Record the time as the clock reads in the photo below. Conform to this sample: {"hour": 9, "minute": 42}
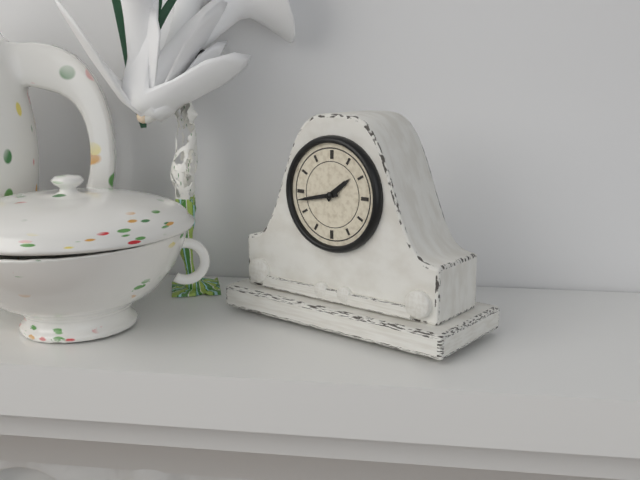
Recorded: {"hour": 1, "minute": 43}
